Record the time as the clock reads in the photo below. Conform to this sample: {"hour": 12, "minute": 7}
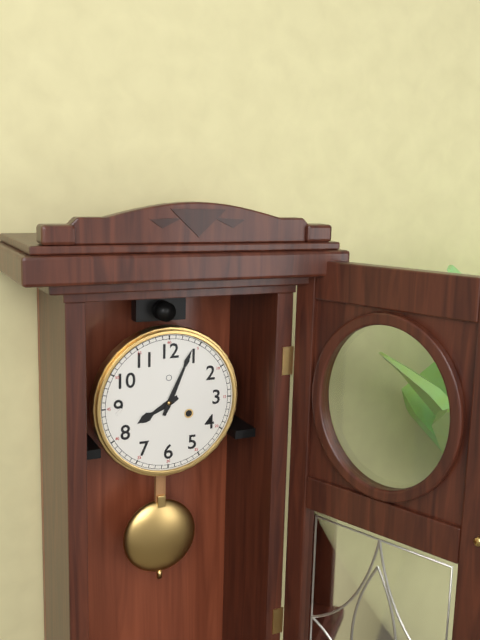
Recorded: {"hour": 8, "minute": 4}
